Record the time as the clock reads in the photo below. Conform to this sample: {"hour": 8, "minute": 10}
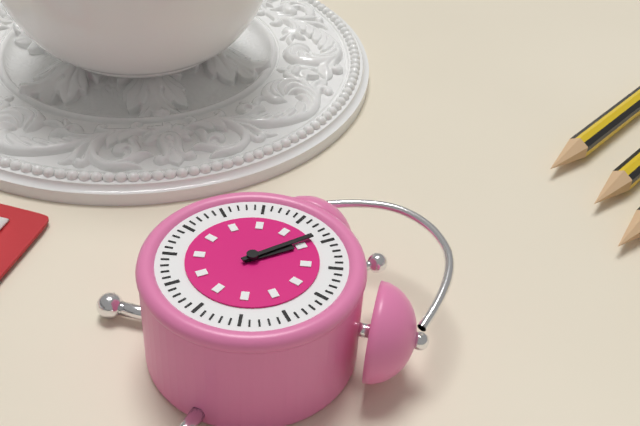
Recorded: {"hour": 11, "minute": 59}
